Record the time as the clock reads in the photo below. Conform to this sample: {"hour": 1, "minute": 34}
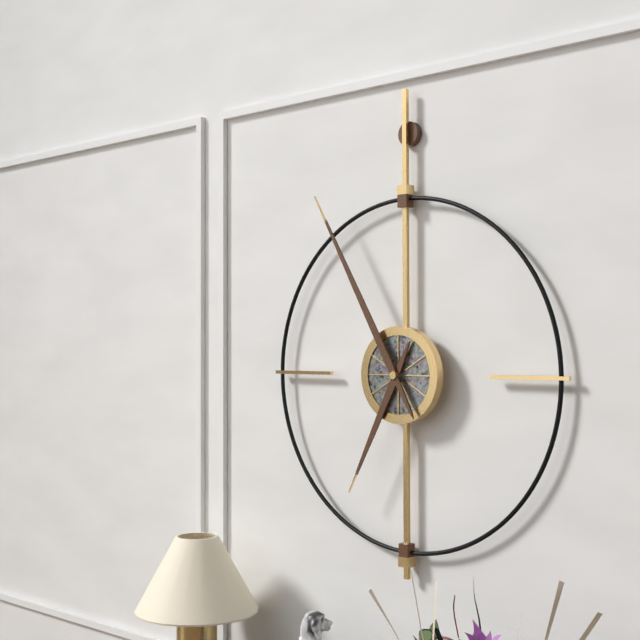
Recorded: {"hour": 6, "minute": 55}
